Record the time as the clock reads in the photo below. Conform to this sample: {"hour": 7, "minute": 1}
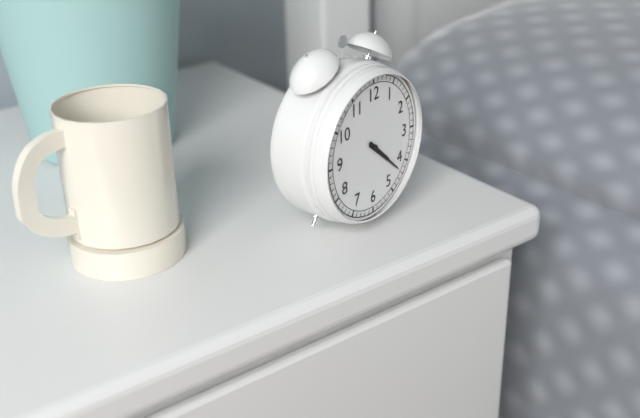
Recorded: {"hour": 4, "minute": 22}
